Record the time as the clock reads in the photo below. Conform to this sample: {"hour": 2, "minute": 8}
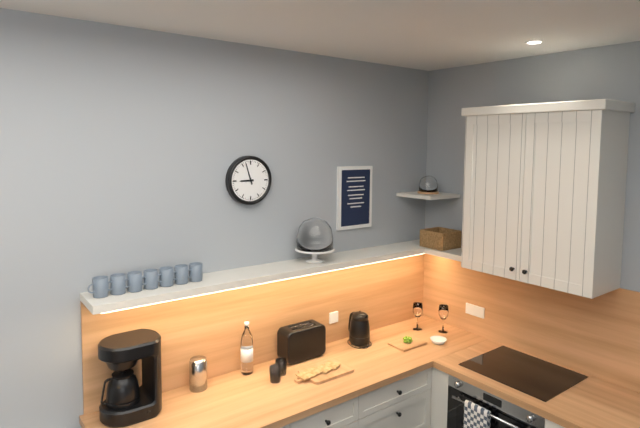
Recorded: {"hour": 8, "minute": 57}
